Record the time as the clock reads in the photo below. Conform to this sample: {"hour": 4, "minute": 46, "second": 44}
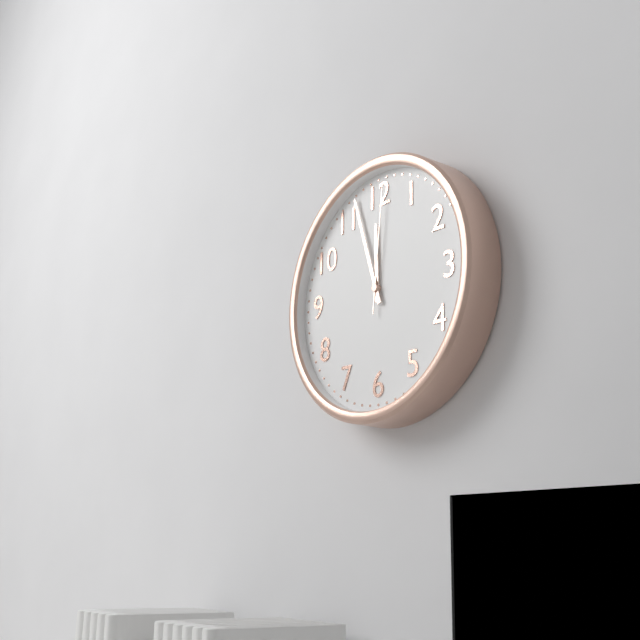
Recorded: {"hour": 11, "minute": 57, "second": 1}
